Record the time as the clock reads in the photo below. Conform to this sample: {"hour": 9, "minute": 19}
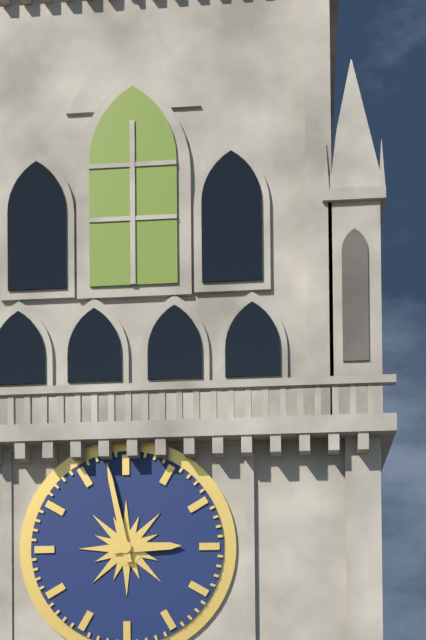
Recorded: {"hour": 2, "minute": 58}
